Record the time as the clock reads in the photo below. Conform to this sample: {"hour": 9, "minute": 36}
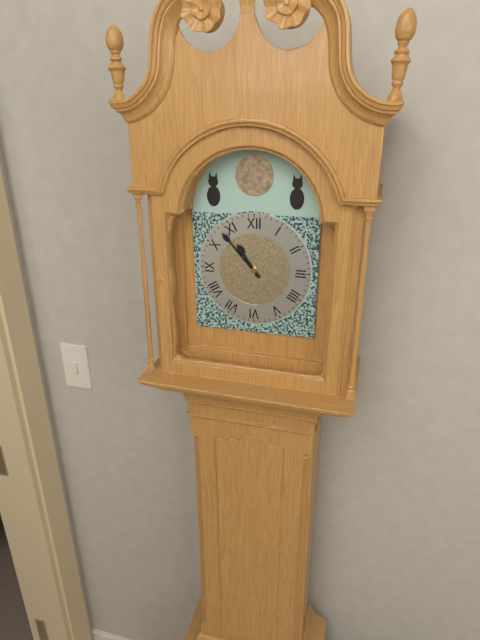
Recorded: {"hour": 10, "minute": 53}
